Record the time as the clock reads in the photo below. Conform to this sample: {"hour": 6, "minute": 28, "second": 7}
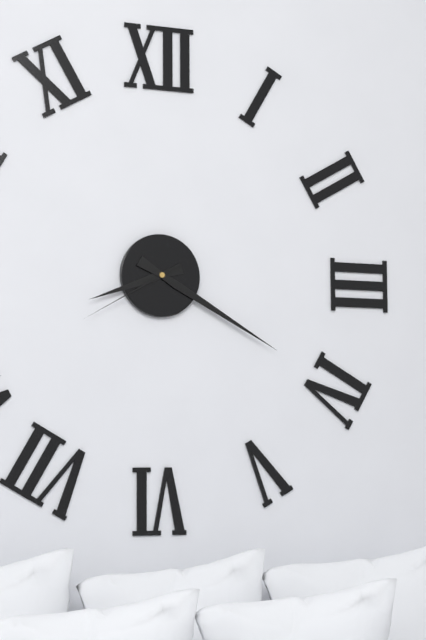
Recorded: {"hour": 8, "minute": 20, "second": 40}
